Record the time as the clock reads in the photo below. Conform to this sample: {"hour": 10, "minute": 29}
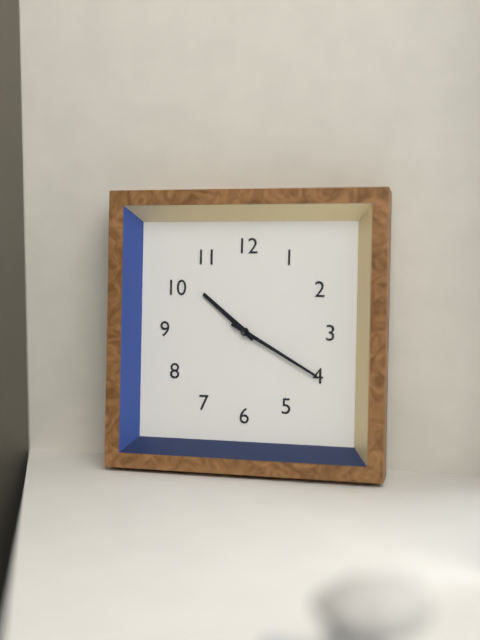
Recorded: {"hour": 10, "minute": 20}
